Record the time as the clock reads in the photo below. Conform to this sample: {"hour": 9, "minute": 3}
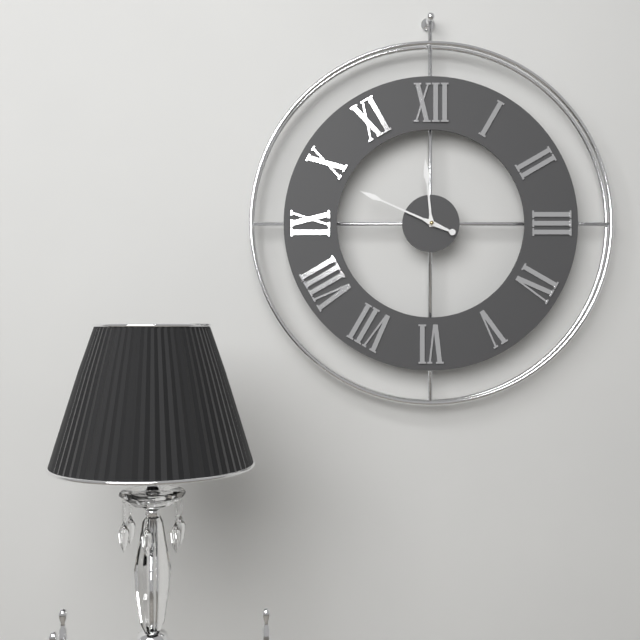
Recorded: {"hour": 11, "minute": 49}
